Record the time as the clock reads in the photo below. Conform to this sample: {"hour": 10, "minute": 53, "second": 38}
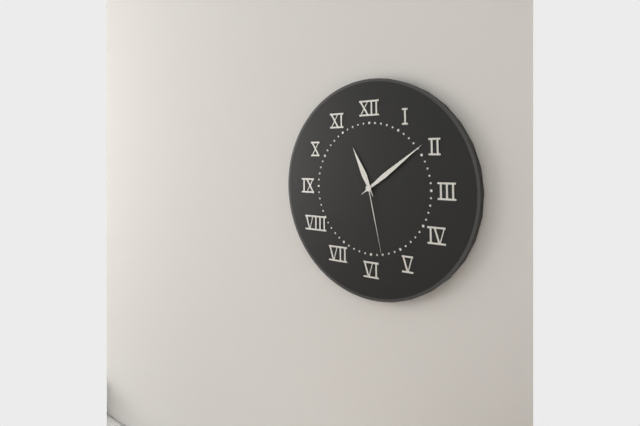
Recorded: {"hour": 11, "minute": 9, "second": 28}
